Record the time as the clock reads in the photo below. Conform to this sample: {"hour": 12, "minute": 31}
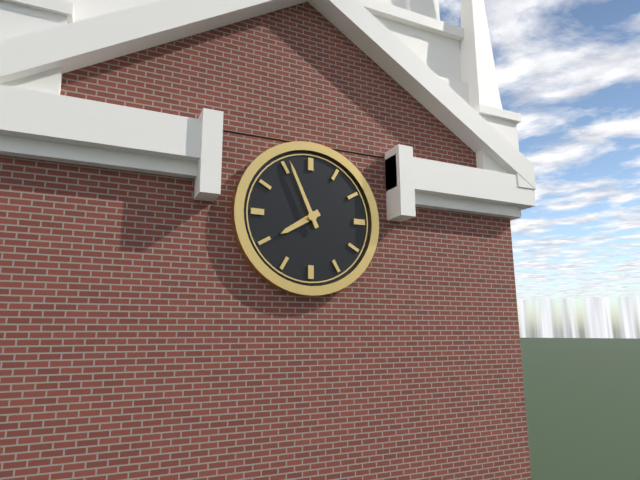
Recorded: {"hour": 7, "minute": 56}
